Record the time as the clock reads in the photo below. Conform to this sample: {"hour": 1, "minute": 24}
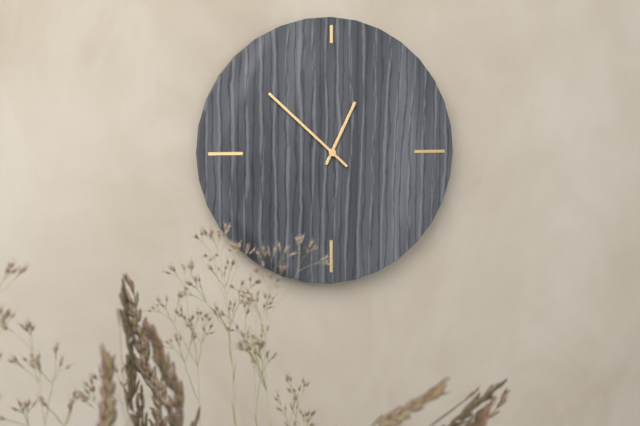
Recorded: {"hour": 12, "minute": 52}
